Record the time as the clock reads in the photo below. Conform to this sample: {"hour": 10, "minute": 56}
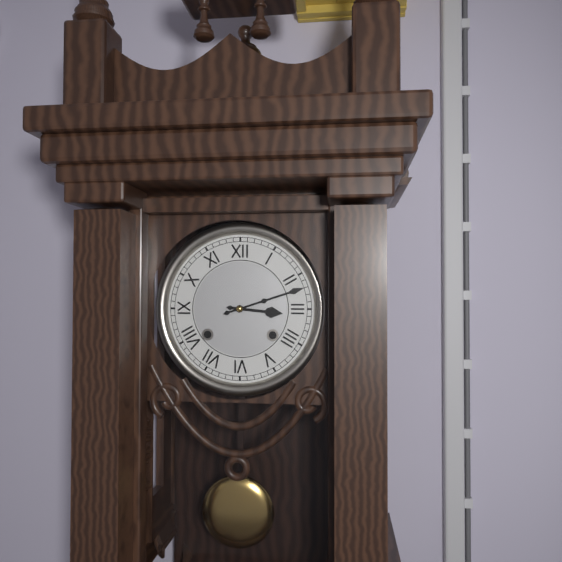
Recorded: {"hour": 3, "minute": 12}
